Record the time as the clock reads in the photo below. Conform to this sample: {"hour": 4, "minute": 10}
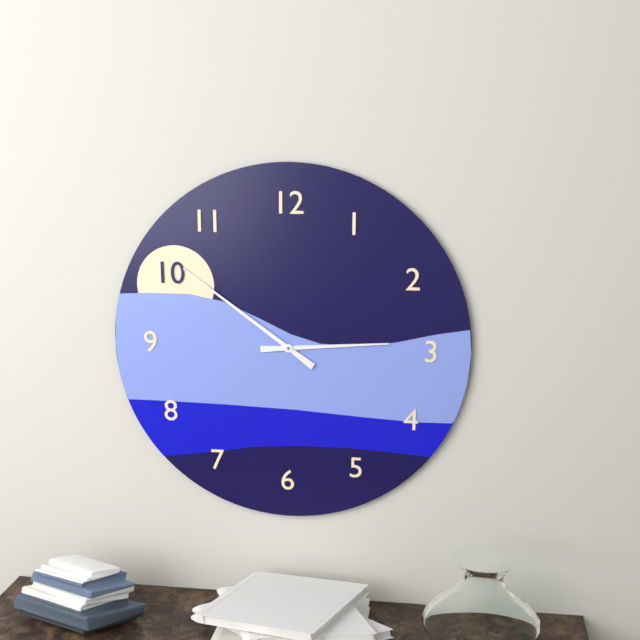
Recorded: {"hour": 2, "minute": 51}
